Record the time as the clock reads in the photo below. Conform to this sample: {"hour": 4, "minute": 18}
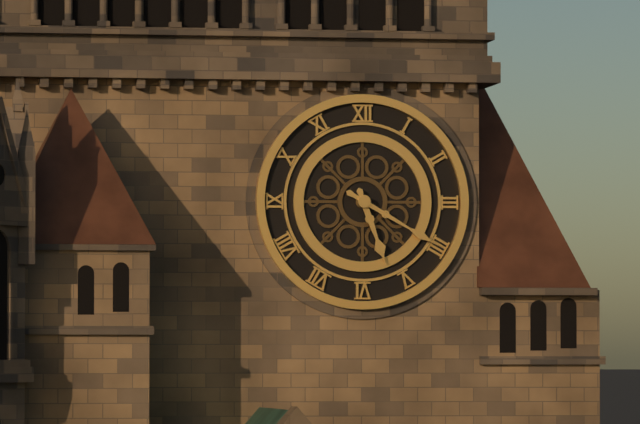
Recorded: {"hour": 5, "minute": 20}
